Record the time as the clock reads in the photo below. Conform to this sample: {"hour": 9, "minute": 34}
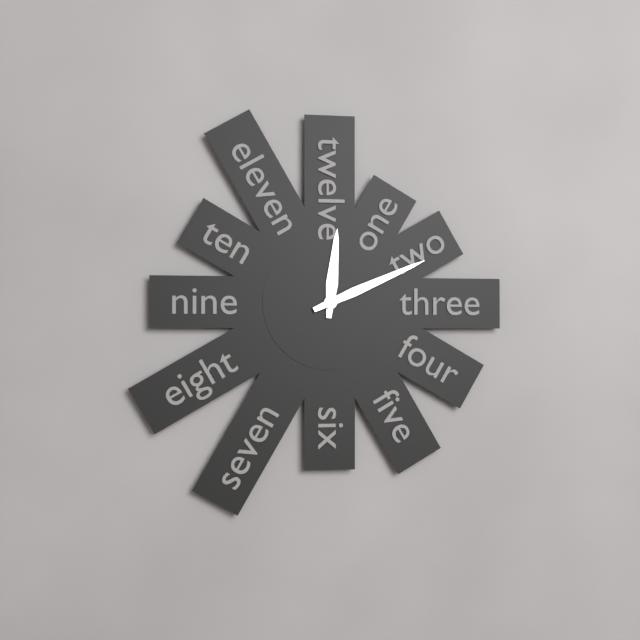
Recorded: {"hour": 12, "minute": 11}
